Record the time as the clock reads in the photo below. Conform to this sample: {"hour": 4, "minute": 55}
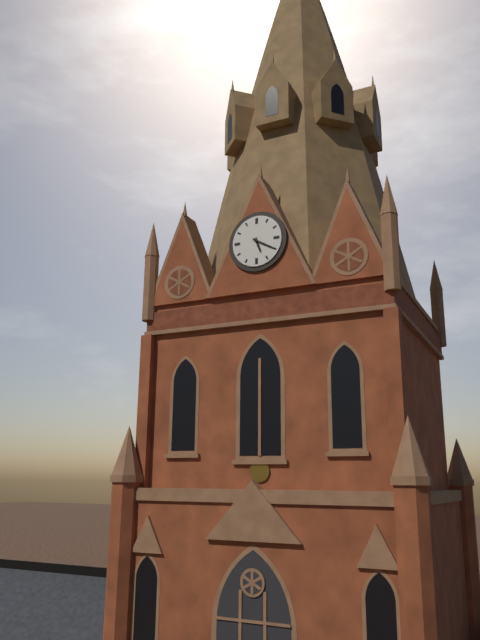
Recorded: {"hour": 5, "minute": 20}
